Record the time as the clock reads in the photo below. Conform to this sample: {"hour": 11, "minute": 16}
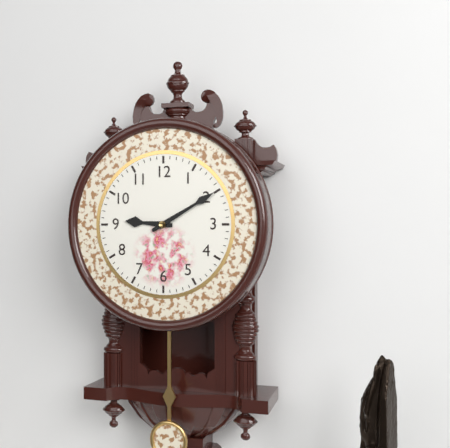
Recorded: {"hour": 9, "minute": 10}
